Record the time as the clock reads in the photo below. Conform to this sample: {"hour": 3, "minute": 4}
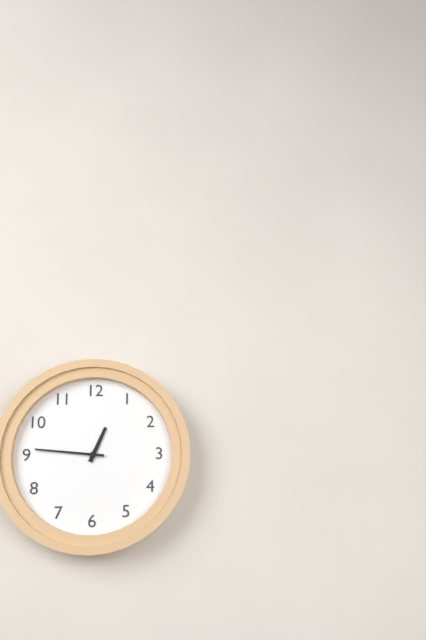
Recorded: {"hour": 12, "minute": 46}
